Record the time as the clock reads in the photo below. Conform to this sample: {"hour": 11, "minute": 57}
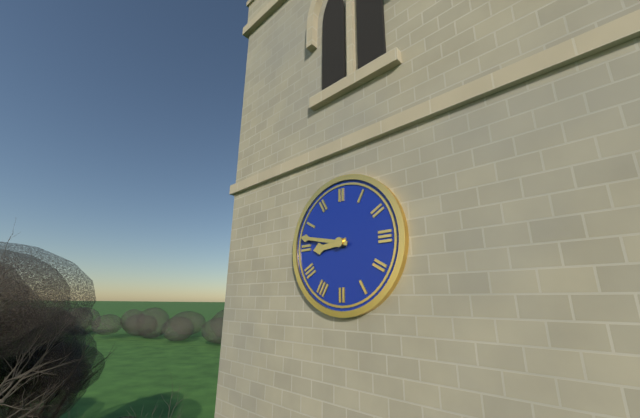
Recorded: {"hour": 8, "minute": 47}
